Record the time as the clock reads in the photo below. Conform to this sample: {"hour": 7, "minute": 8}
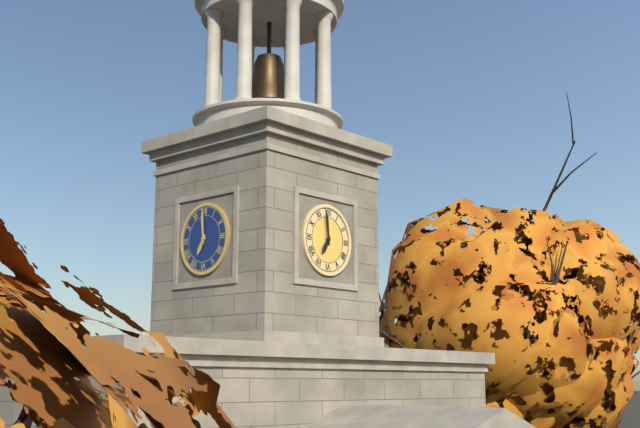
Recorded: {"hour": 6, "minute": 59}
